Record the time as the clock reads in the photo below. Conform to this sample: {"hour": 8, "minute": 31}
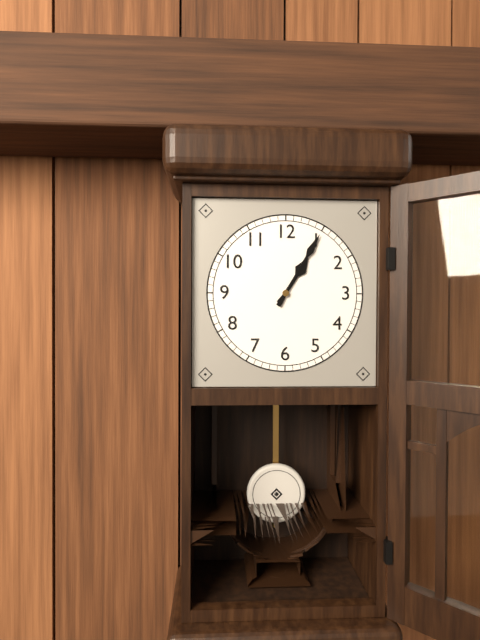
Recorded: {"hour": 1, "minute": 5}
